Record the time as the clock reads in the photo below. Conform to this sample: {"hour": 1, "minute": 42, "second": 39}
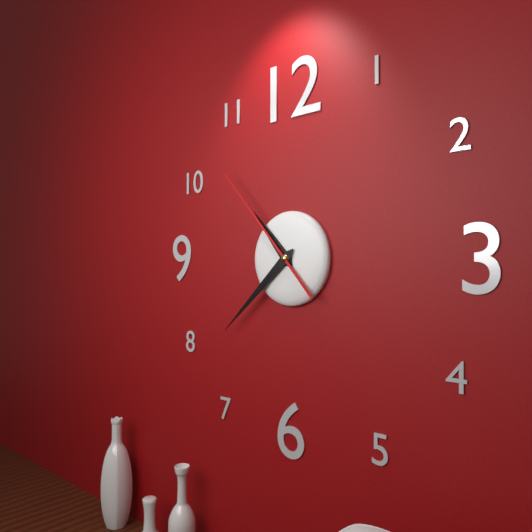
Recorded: {"hour": 10, "minute": 38, "second": 53}
